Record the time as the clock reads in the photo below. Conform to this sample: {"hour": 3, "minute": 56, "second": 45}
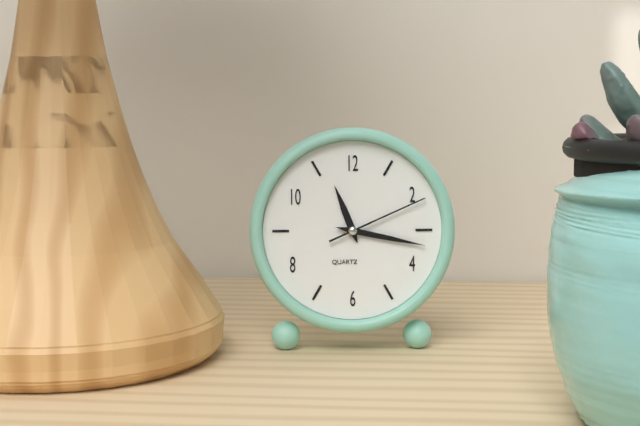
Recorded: {"hour": 11, "minute": 17, "second": 11}
